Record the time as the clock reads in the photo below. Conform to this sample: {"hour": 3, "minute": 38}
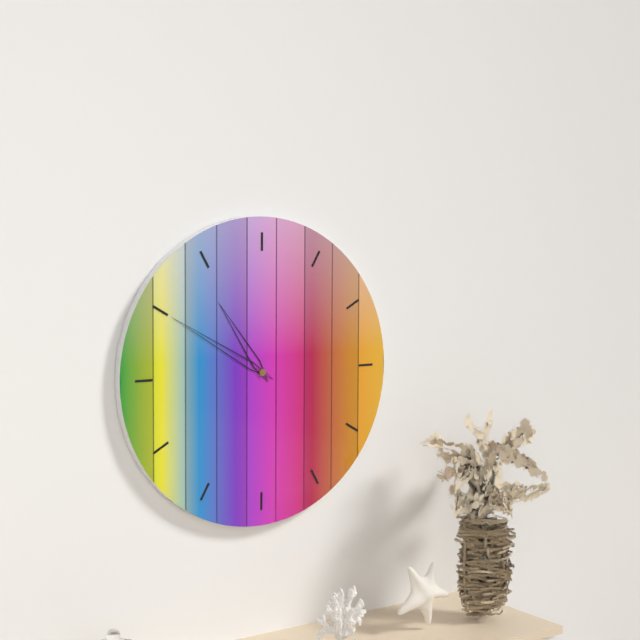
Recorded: {"hour": 10, "minute": 50}
